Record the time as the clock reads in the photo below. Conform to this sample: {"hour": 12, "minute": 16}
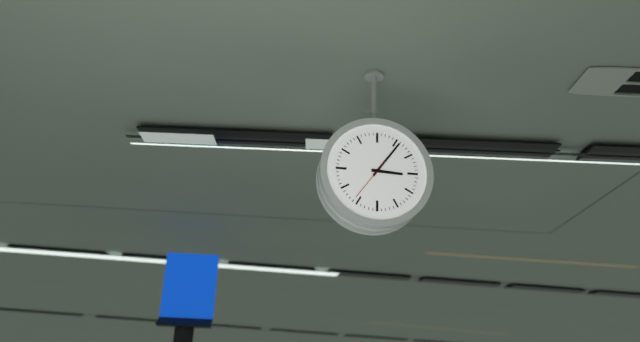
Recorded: {"hour": 3, "minute": 6}
